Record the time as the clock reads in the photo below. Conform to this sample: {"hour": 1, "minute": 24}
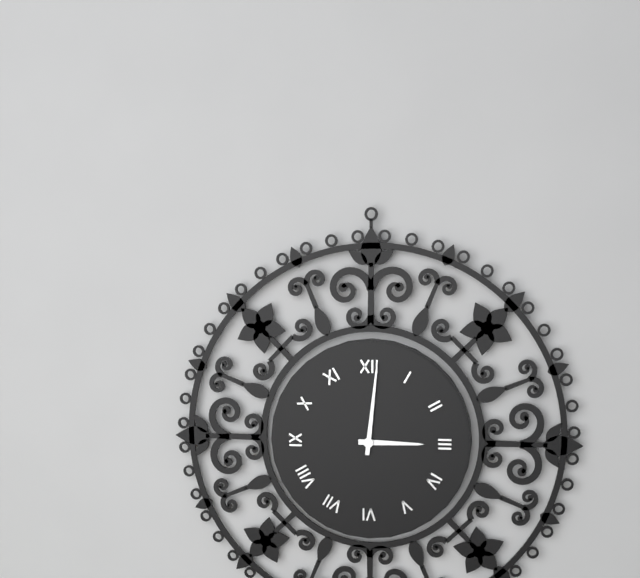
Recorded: {"hour": 3, "minute": 1}
